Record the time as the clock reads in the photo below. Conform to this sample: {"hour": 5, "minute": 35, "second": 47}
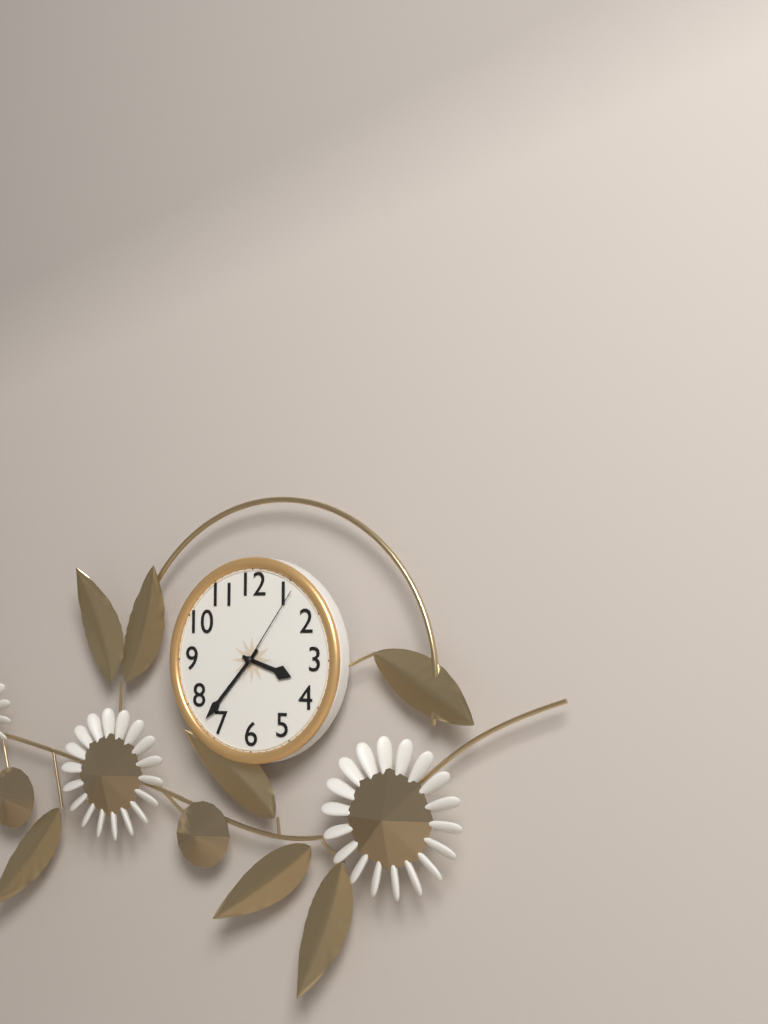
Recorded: {"hour": 3, "minute": 37, "second": 6}
